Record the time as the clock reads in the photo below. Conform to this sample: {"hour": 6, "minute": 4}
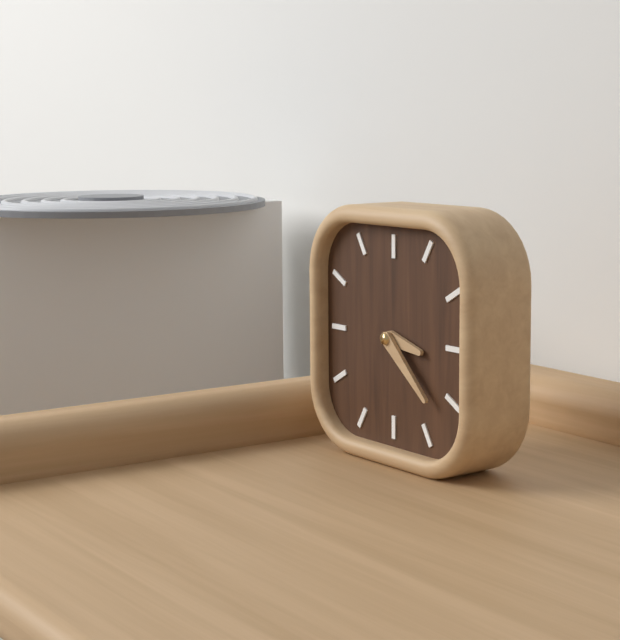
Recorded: {"hour": 3, "minute": 22}
